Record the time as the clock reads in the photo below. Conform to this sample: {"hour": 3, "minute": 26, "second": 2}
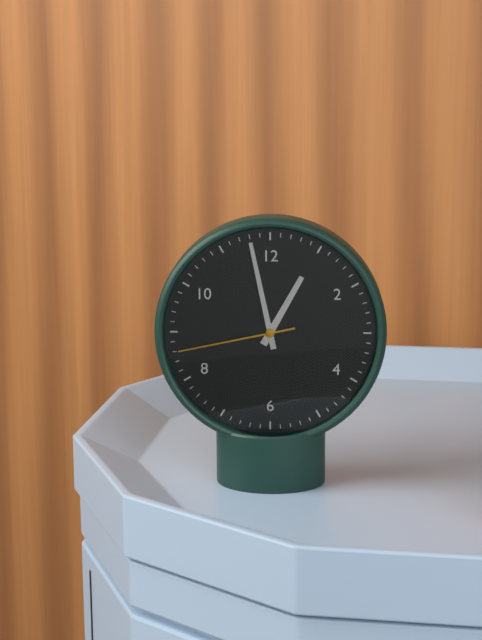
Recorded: {"hour": 12, "minute": 58, "second": 43}
